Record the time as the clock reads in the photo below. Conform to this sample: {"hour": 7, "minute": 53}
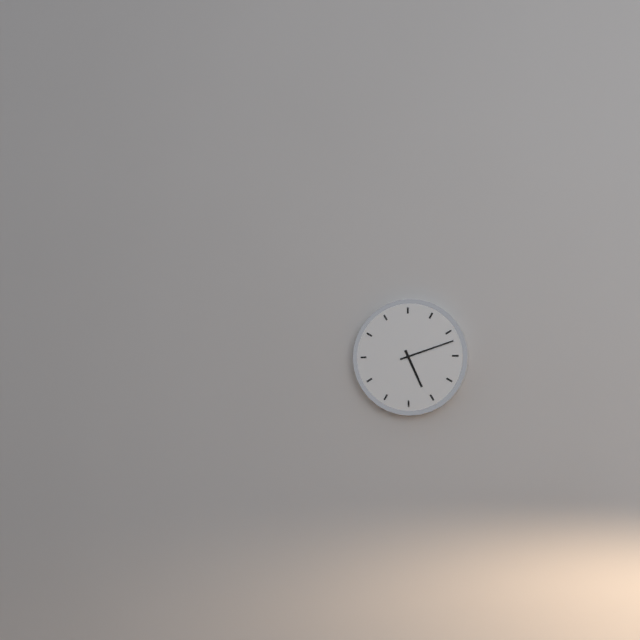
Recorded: {"hour": 5, "minute": 12}
